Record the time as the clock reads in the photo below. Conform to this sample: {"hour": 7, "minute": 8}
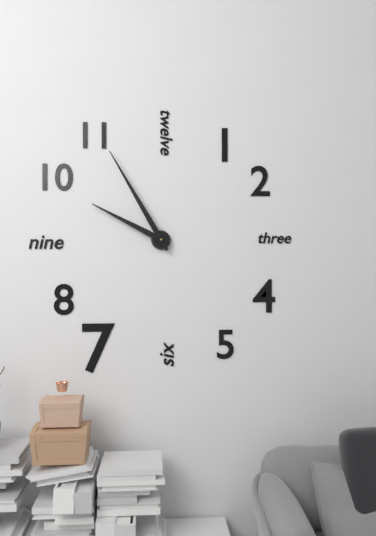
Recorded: {"hour": 9, "minute": 55}
